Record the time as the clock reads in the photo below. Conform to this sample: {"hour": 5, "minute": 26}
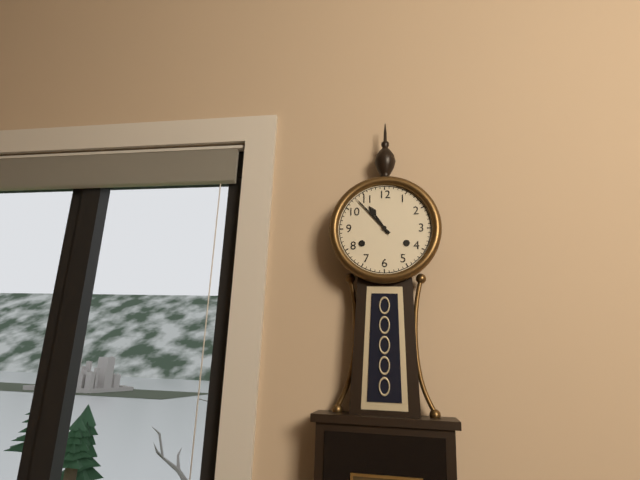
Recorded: {"hour": 10, "minute": 53}
